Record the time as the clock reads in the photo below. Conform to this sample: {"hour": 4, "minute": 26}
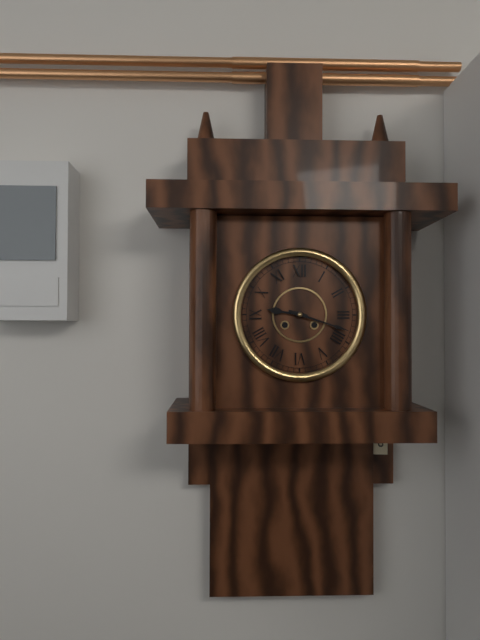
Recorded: {"hour": 9, "minute": 18}
